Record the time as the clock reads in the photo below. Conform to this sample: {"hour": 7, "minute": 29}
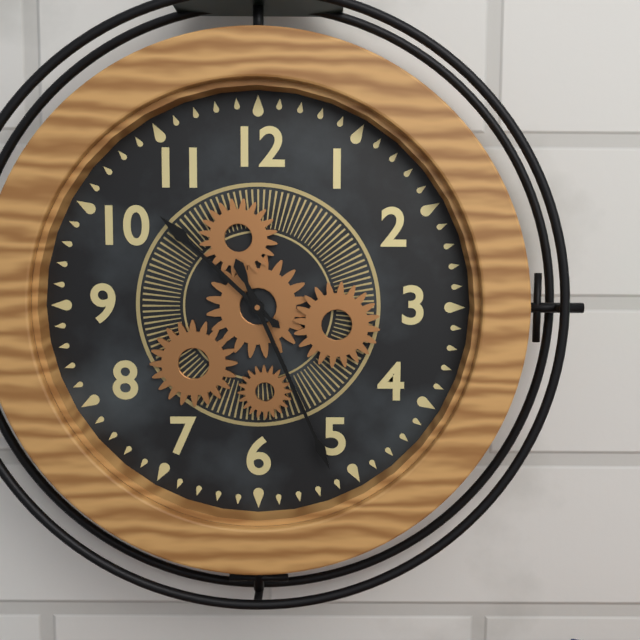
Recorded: {"hour": 10, "minute": 26}
